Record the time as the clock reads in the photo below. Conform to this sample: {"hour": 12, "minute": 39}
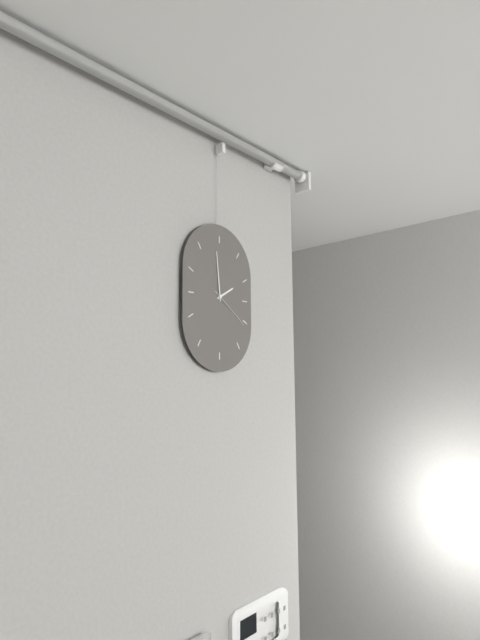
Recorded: {"hour": 1, "minute": 59}
